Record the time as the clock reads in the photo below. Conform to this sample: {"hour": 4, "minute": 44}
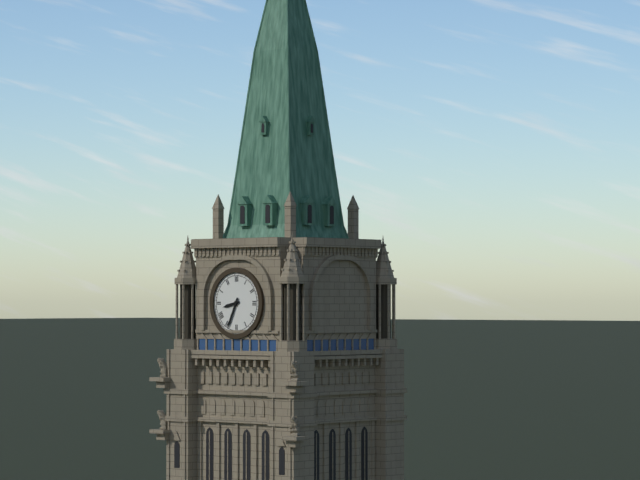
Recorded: {"hour": 8, "minute": 34}
